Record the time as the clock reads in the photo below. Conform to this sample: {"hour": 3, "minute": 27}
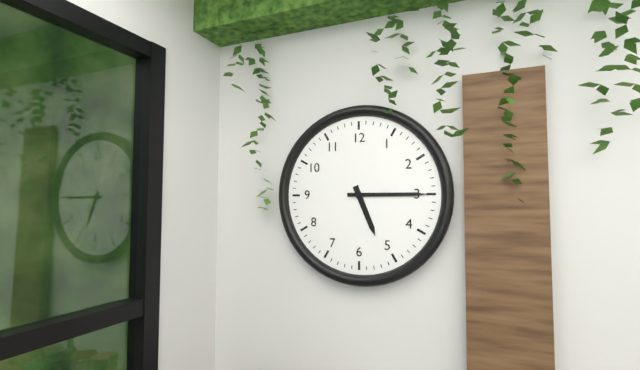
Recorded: {"hour": 5, "minute": 15}
